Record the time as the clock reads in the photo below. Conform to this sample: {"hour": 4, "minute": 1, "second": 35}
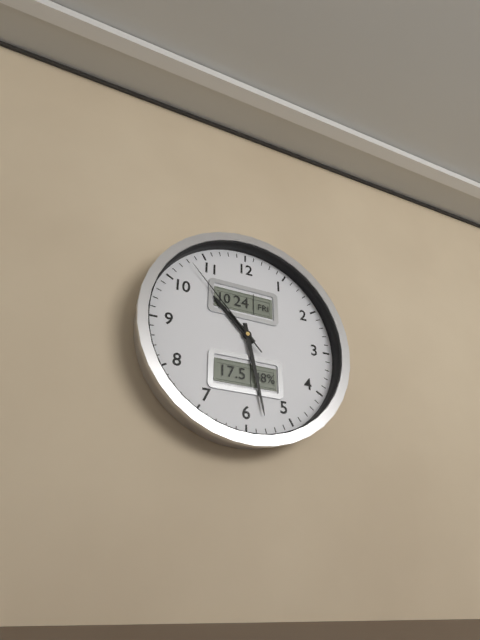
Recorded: {"hour": 10, "minute": 28, "second": 53}
